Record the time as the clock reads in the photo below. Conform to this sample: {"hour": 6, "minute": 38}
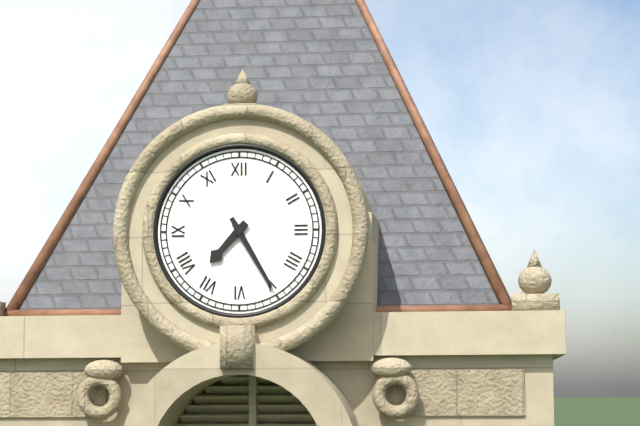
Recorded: {"hour": 7, "minute": 25}
